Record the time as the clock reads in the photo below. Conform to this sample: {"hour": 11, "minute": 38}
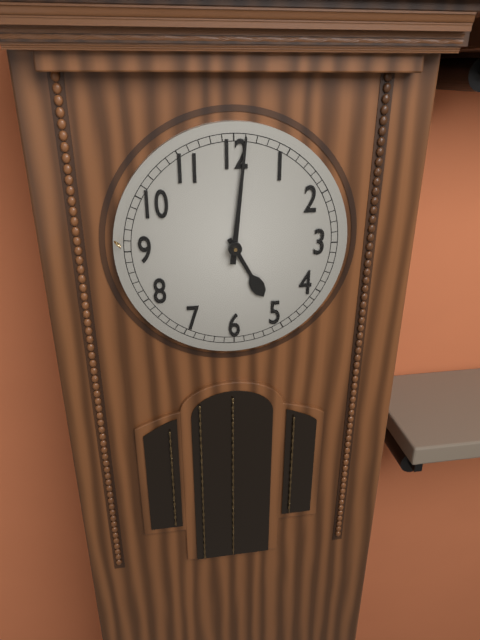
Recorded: {"hour": 5, "minute": 1}
